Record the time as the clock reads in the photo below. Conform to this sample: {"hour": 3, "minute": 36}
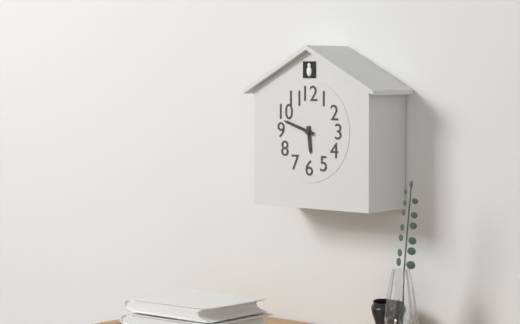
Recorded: {"hour": 5, "minute": 48}
